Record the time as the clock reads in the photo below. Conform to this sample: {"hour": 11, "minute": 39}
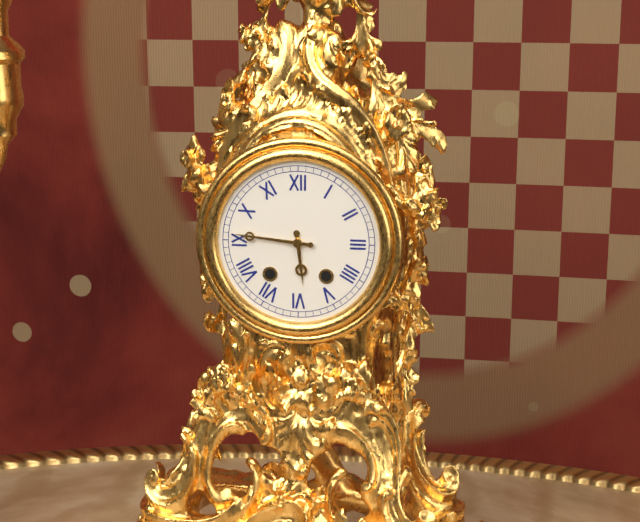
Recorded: {"hour": 5, "minute": 46}
